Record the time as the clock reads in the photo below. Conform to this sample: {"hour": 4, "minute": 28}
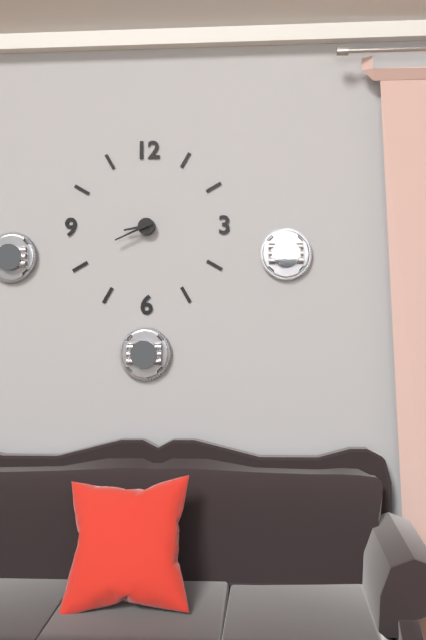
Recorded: {"hour": 8, "minute": 41}
